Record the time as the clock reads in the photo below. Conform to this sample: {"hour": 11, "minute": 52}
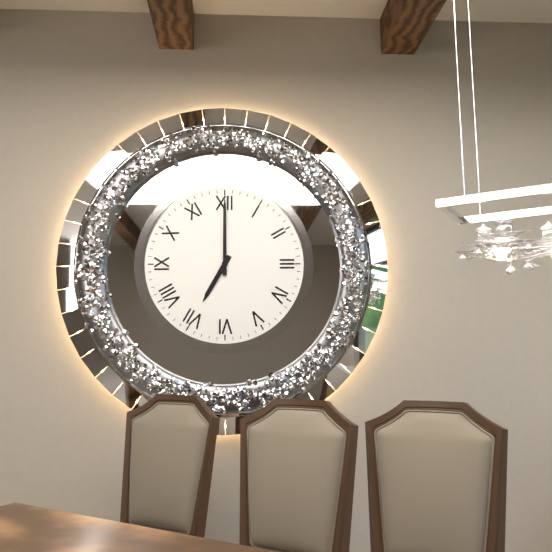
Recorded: {"hour": 7, "minute": 0}
